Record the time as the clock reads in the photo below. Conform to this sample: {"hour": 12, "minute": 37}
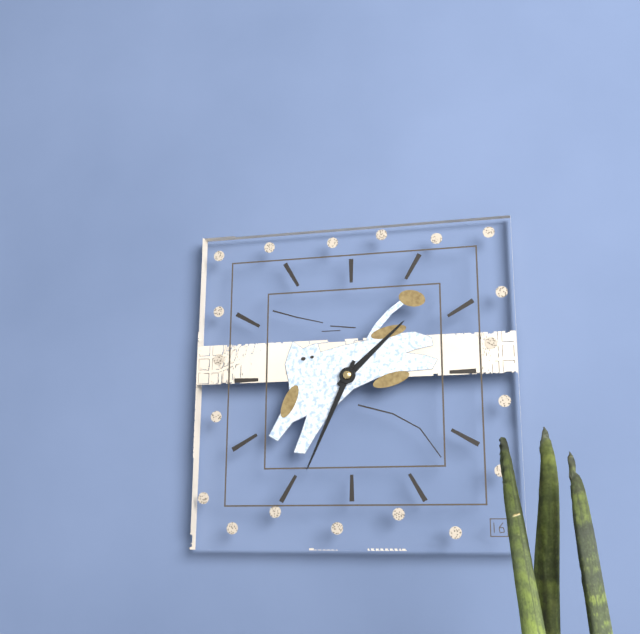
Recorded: {"hour": 1, "minute": 34}
